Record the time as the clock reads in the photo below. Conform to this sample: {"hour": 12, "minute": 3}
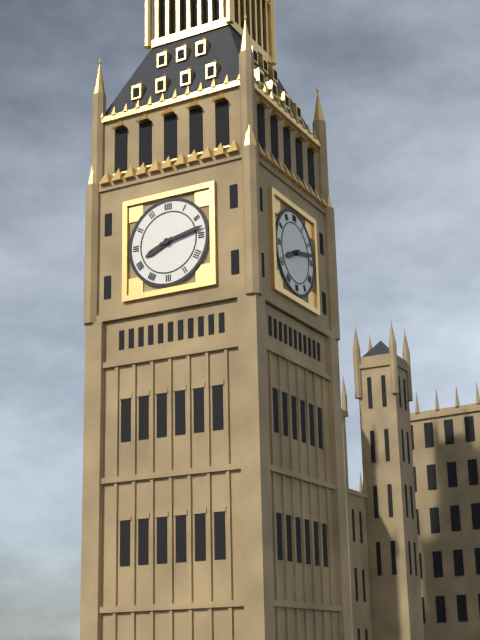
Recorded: {"hour": 8, "minute": 13}
